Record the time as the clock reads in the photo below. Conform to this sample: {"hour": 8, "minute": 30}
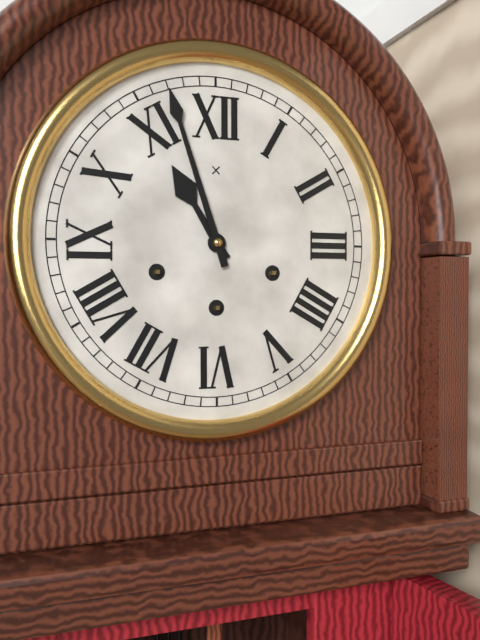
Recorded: {"hour": 10, "minute": 57}
